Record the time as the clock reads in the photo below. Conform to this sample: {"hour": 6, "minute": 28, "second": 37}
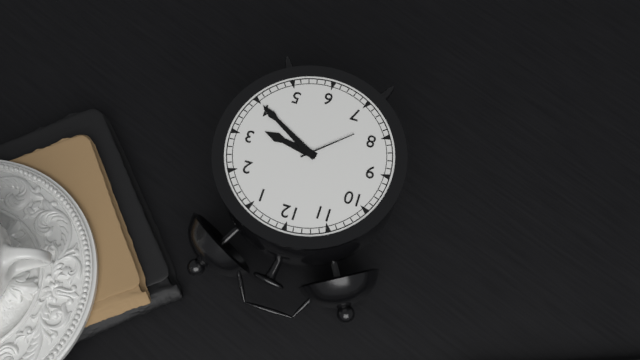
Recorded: {"hour": 3, "minute": 20, "second": 38}
